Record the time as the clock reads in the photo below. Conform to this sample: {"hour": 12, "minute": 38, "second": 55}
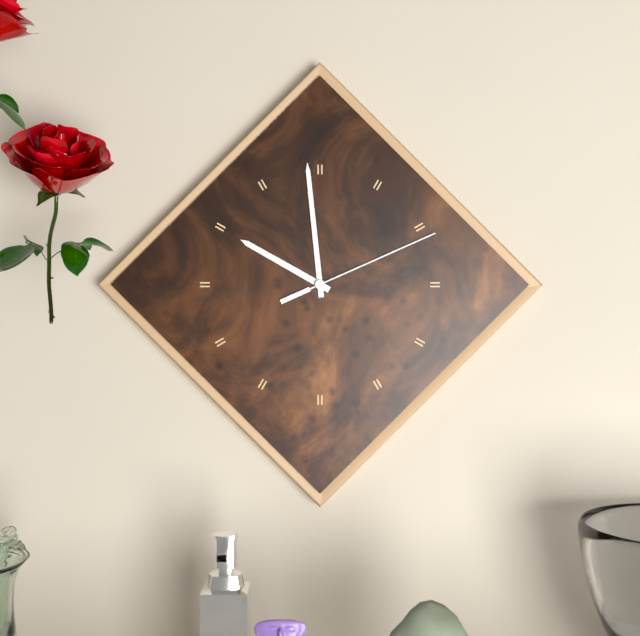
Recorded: {"hour": 9, "minute": 59, "second": 11}
